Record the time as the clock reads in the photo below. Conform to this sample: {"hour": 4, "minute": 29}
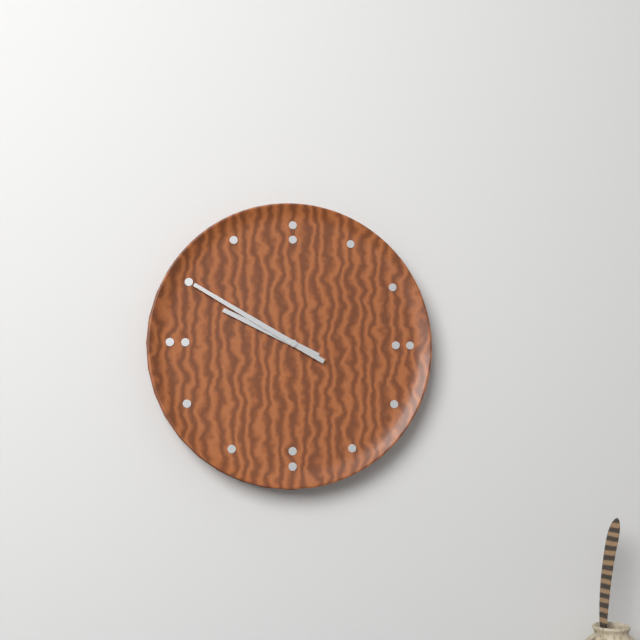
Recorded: {"hour": 9, "minute": 50}
